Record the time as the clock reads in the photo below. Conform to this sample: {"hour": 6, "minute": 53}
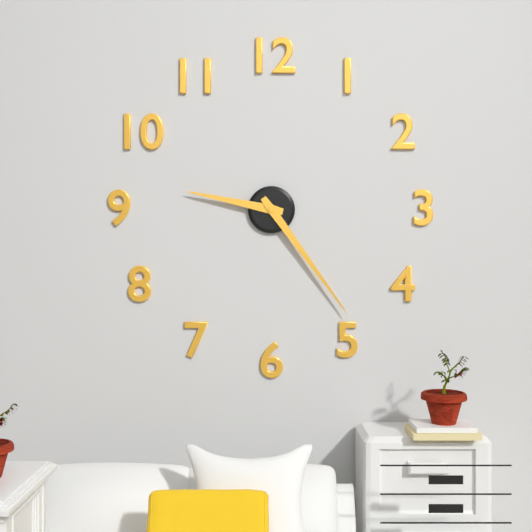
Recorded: {"hour": 9, "minute": 24}
